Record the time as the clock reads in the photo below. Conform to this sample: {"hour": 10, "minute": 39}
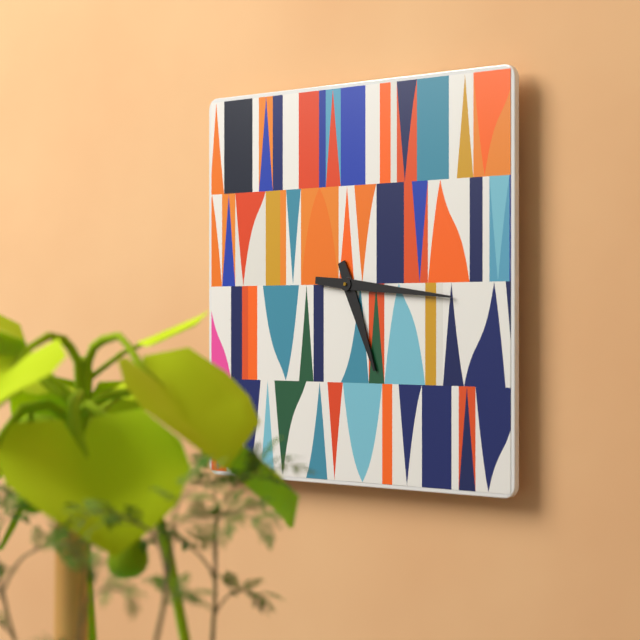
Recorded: {"hour": 5, "minute": 16}
